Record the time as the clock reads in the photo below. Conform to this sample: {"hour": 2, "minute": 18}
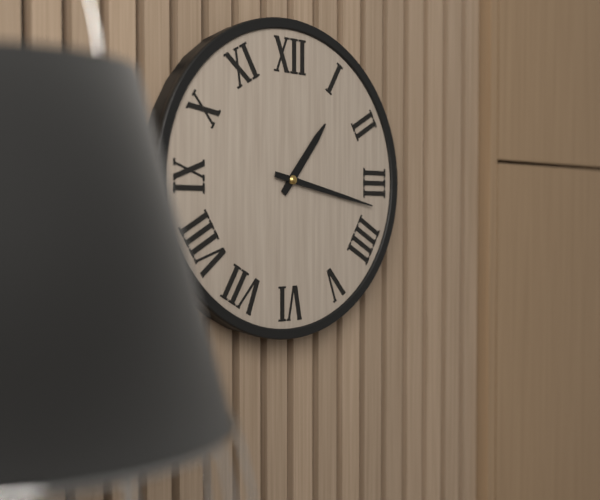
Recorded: {"hour": 1, "minute": 17}
